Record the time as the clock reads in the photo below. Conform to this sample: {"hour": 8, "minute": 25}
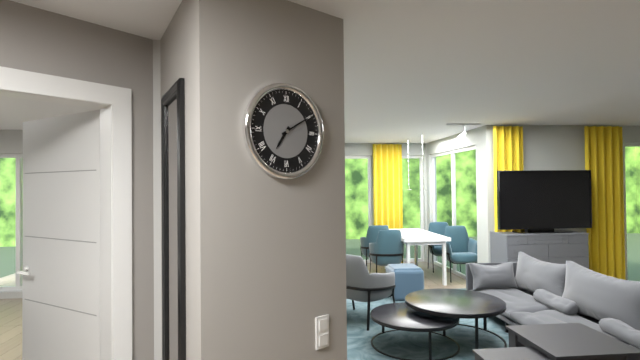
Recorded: {"hour": 7, "minute": 10}
